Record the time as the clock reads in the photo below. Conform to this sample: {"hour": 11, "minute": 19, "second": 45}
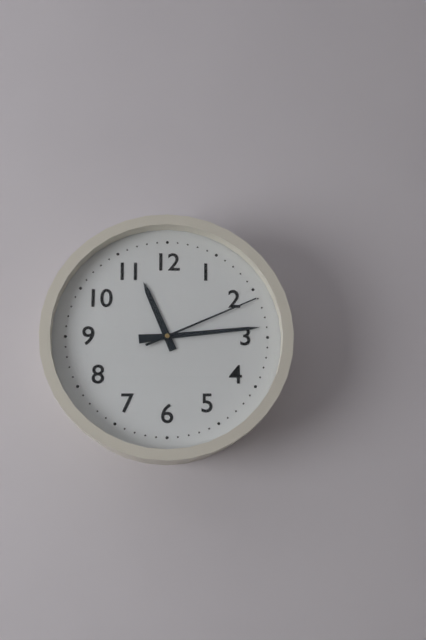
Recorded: {"hour": 11, "minute": 14, "second": 11}
